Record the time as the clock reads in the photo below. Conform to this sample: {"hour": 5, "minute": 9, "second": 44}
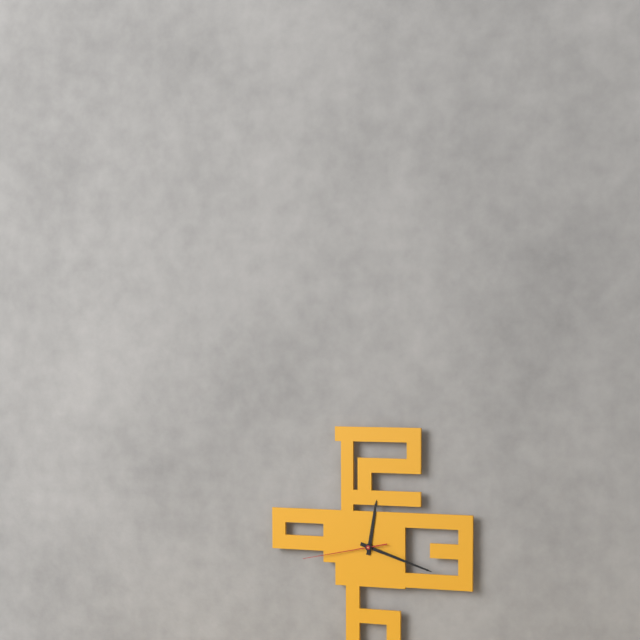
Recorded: {"hour": 12, "minute": 18, "second": 43}
